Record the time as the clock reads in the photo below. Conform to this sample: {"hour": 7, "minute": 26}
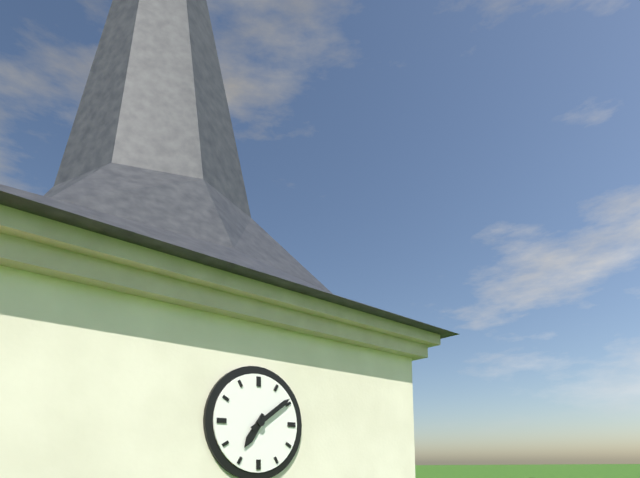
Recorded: {"hour": 7, "minute": 9}
